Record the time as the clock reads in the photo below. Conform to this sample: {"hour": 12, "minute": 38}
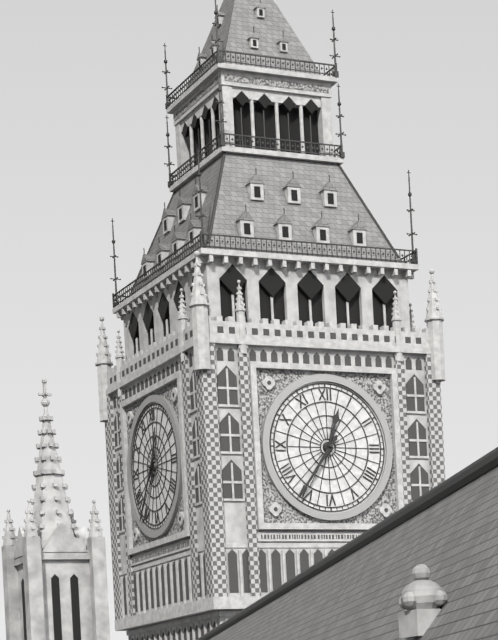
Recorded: {"hour": 12, "minute": 36}
